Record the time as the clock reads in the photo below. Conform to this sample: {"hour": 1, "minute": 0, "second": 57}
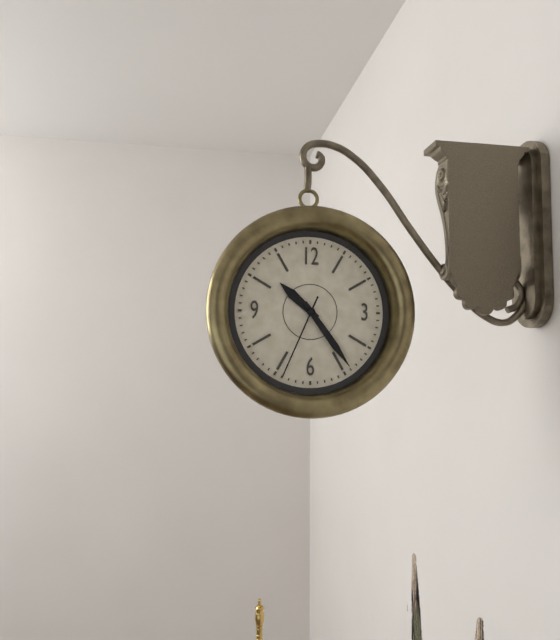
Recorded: {"hour": 10, "minute": 24, "second": 34}
